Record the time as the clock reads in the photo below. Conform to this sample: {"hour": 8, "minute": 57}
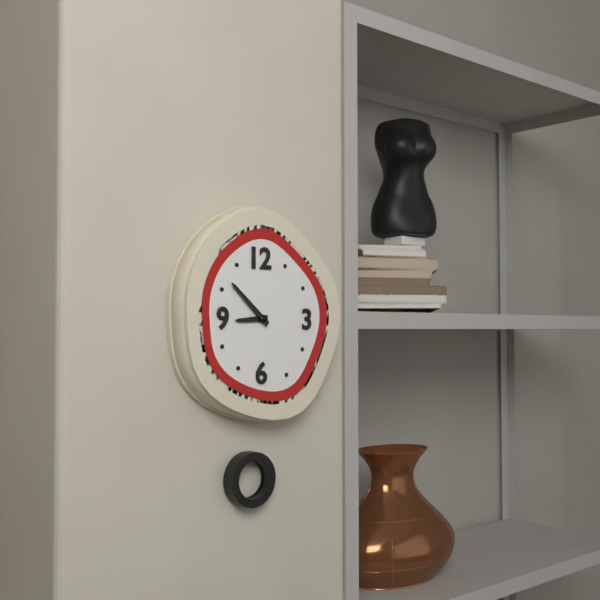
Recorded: {"hour": 8, "minute": 52}
